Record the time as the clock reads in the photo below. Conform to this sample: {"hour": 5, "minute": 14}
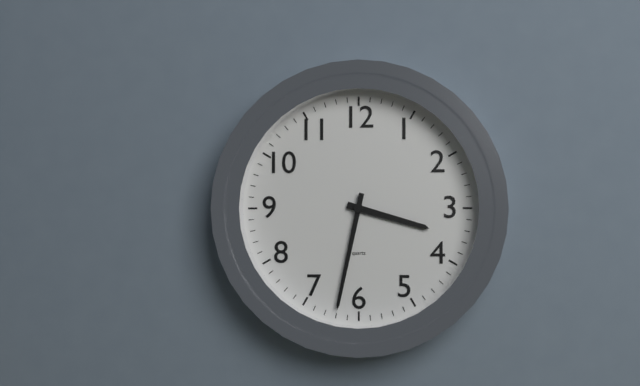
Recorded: {"hour": 3, "minute": 32}
